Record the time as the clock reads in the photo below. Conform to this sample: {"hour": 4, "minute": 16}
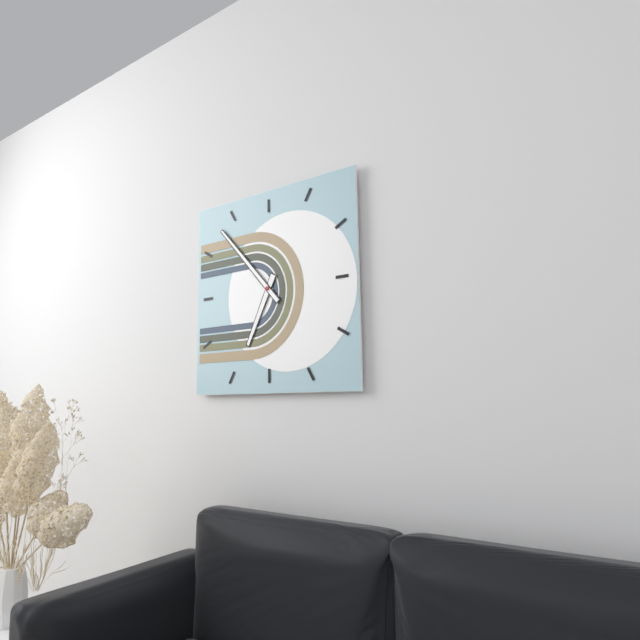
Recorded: {"hour": 6, "minute": 53}
